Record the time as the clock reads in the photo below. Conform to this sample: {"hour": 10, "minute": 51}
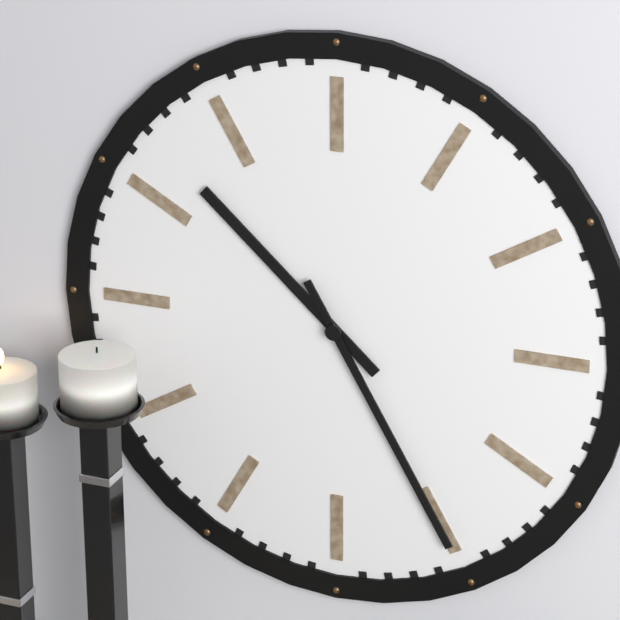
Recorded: {"hour": 10, "minute": 25}
